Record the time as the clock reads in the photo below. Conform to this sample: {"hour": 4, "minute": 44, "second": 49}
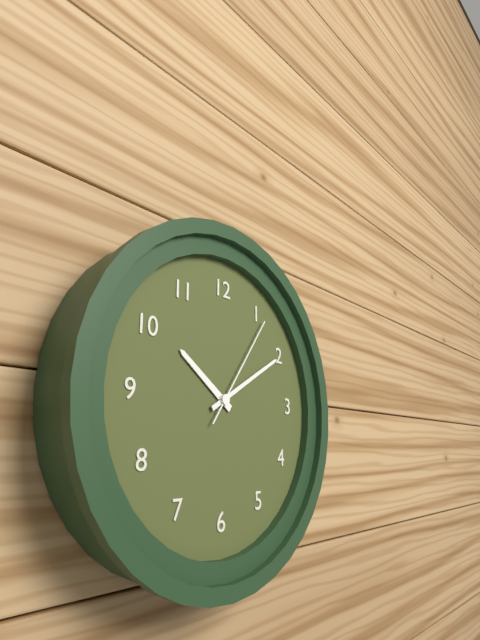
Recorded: {"hour": 10, "minute": 10, "second": 6}
